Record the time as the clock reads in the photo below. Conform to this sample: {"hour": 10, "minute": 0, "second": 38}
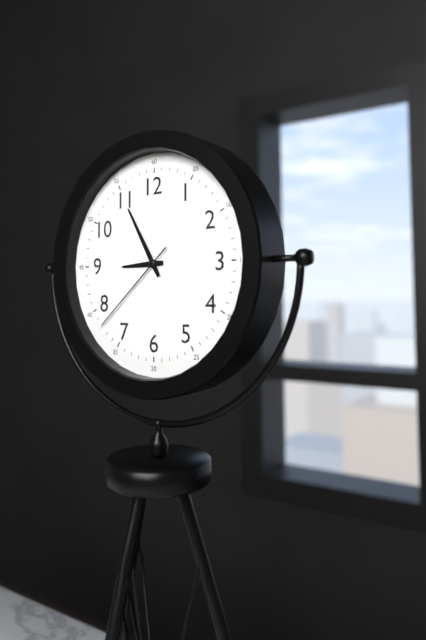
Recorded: {"hour": 8, "minute": 55, "second": 38}
